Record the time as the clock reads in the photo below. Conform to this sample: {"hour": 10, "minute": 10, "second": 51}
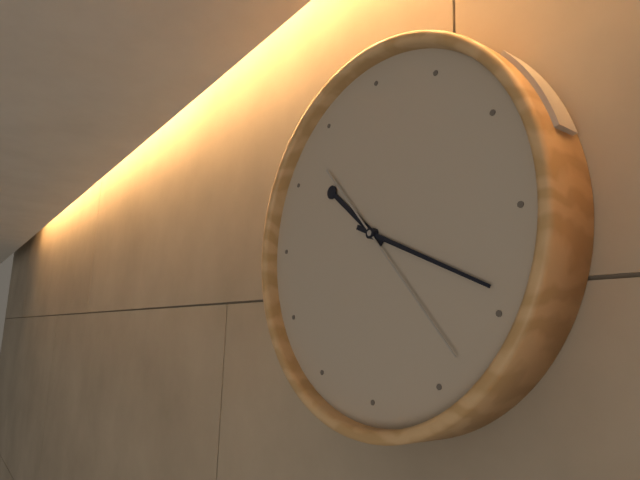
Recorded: {"hour": 10, "minute": 19, "second": 23}
